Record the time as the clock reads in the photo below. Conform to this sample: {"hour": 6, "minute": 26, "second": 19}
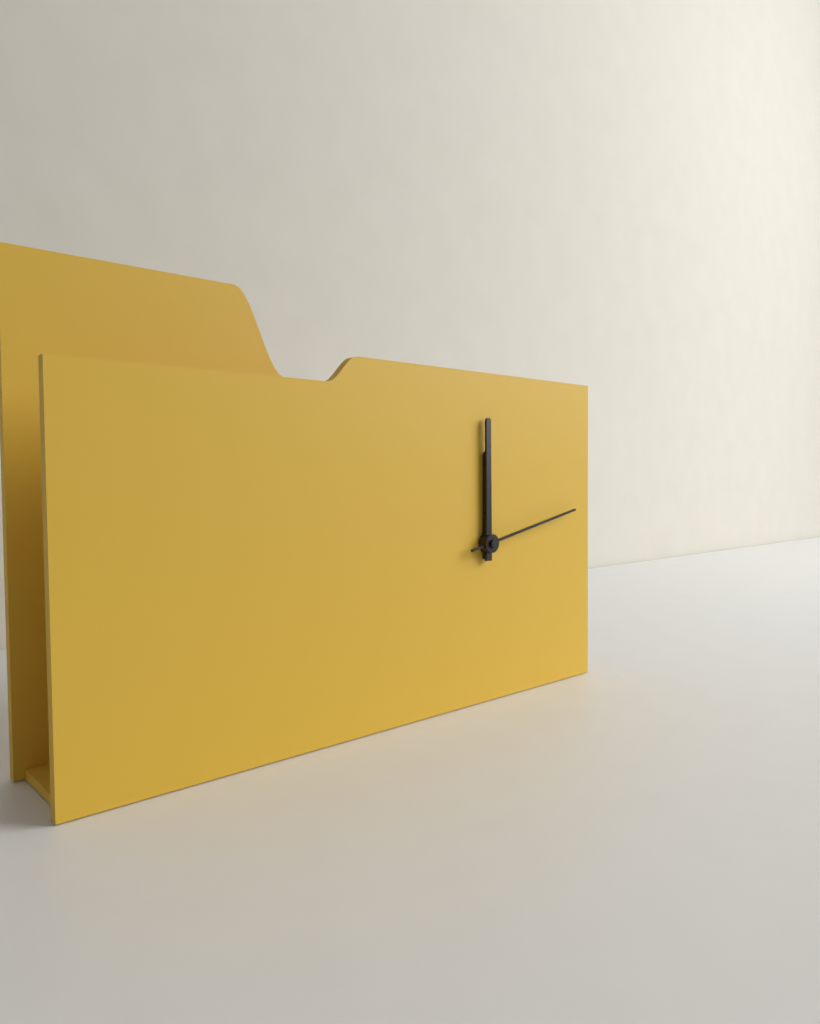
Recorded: {"hour": 12, "minute": 0, "second": 13}
